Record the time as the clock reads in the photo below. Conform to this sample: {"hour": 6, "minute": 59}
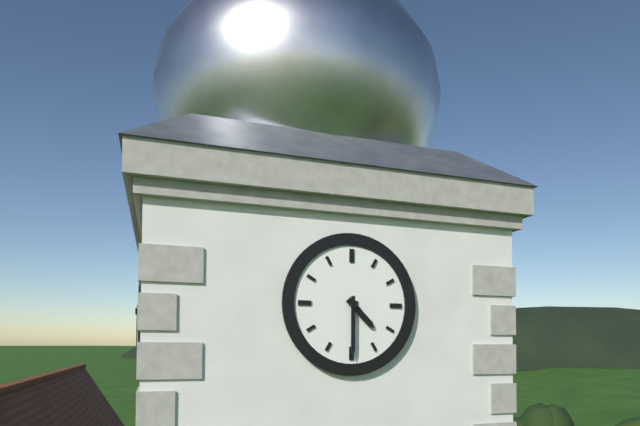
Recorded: {"hour": 4, "minute": 30}
